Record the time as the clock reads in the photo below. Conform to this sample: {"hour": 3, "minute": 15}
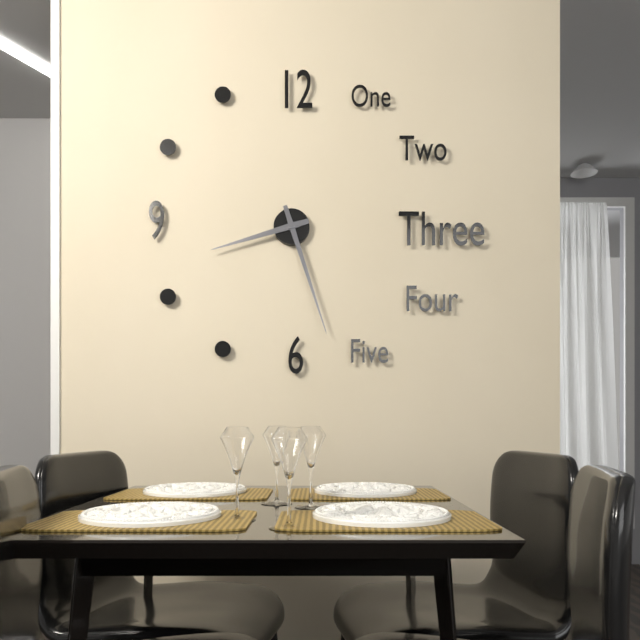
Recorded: {"hour": 8, "minute": 27}
